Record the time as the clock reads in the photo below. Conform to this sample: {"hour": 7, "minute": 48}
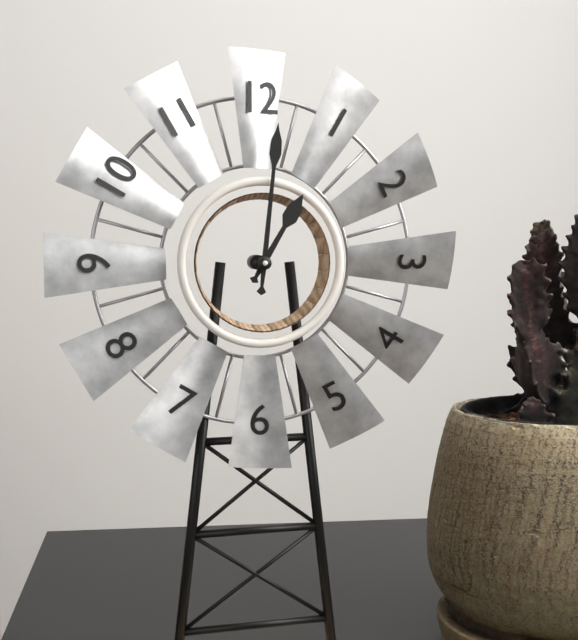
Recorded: {"hour": 1, "minute": 1}
